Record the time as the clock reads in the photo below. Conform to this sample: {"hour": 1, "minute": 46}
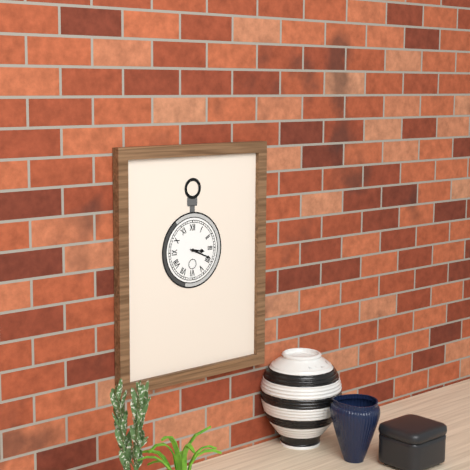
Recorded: {"hour": 3, "minute": 19}
